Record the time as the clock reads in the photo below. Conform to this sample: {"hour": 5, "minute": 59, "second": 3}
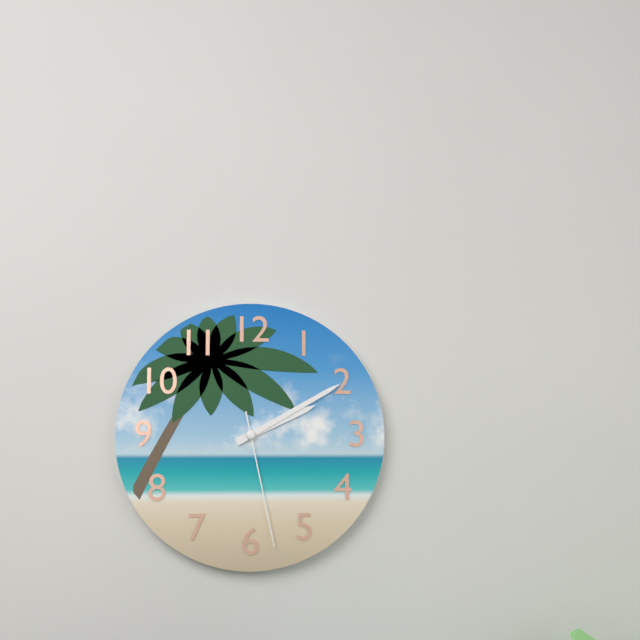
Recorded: {"hour": 2, "minute": 10, "second": 28}
